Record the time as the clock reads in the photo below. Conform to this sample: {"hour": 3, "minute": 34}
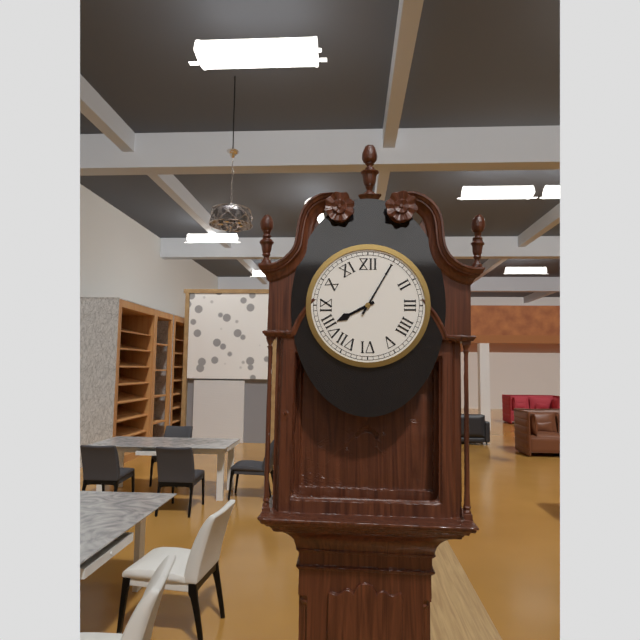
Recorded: {"hour": 8, "minute": 5}
